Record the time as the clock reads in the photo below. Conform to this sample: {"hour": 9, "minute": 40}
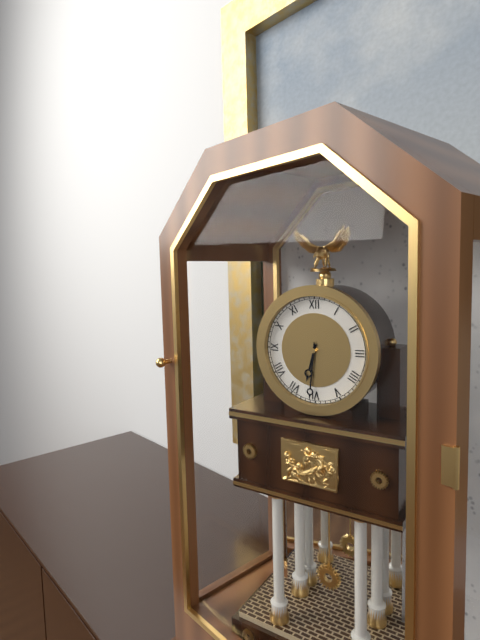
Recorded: {"hour": 6, "minute": 31}
